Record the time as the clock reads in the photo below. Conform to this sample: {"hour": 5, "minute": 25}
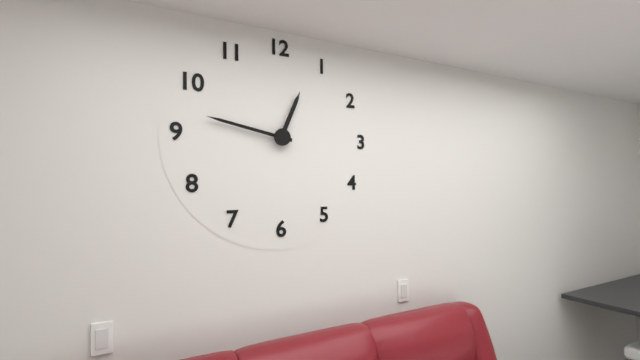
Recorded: {"hour": 12, "minute": 47}
